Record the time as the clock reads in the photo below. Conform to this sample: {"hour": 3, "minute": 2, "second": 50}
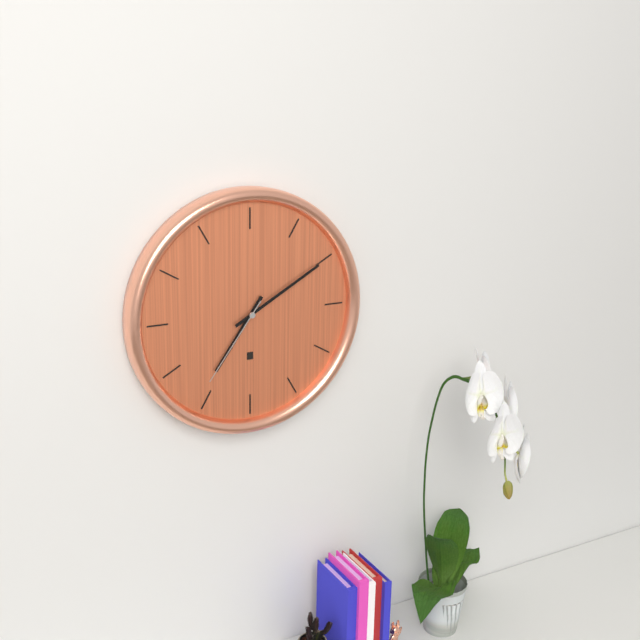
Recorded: {"hour": 7, "minute": 10, "second": 36}
